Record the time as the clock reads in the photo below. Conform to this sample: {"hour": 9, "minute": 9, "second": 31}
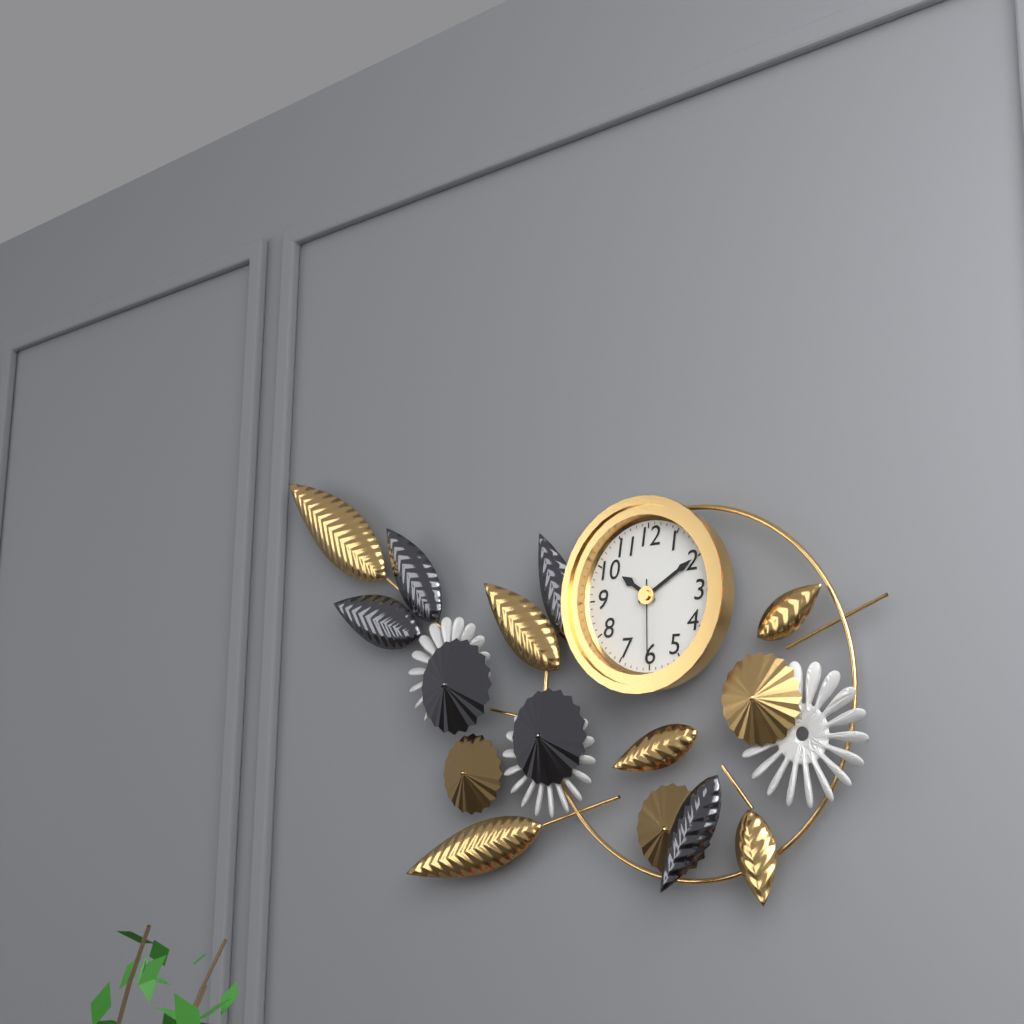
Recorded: {"hour": 10, "minute": 10, "second": 30}
